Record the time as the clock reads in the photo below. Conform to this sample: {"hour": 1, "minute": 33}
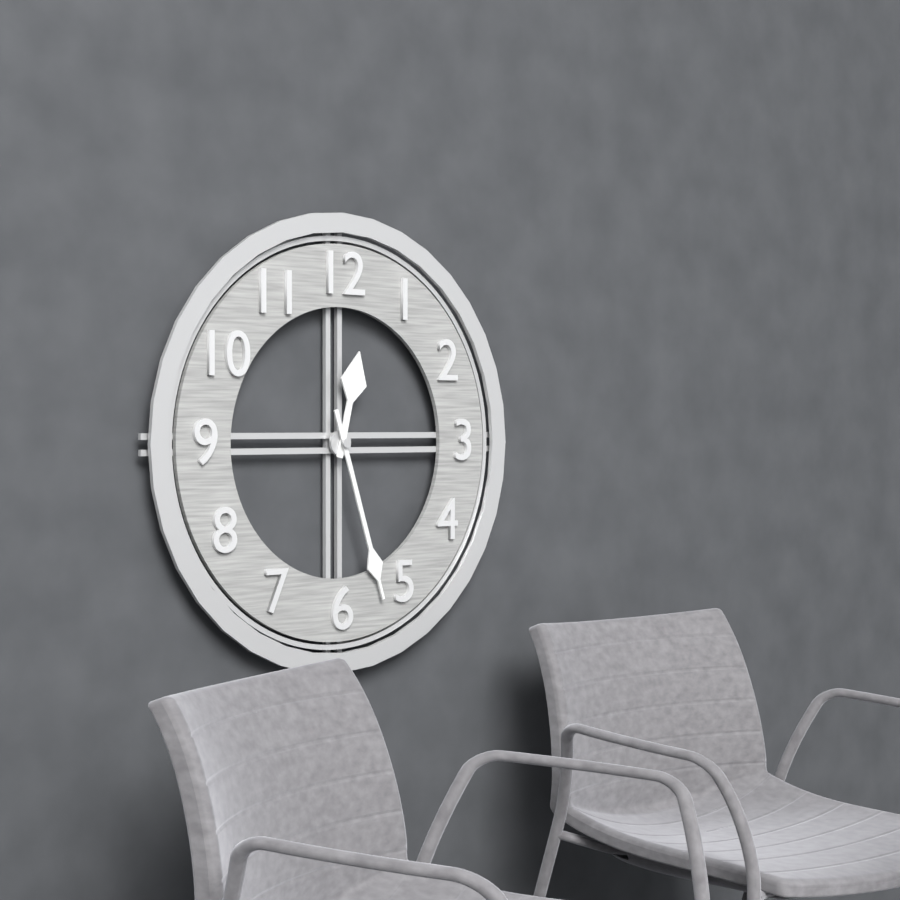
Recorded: {"hour": 12, "minute": 27}
